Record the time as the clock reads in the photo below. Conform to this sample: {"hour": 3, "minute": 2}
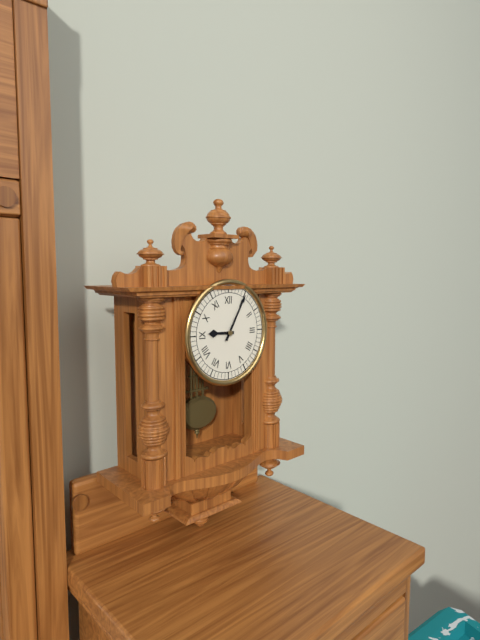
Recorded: {"hour": 9, "minute": 5}
